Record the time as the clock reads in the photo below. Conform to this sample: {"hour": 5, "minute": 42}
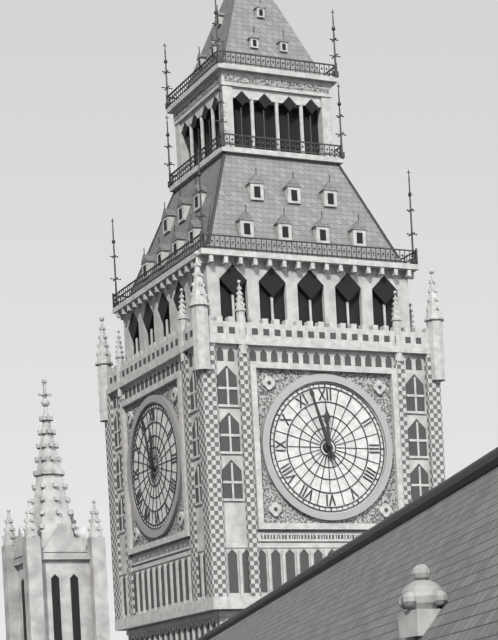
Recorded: {"hour": 11, "minute": 57}
